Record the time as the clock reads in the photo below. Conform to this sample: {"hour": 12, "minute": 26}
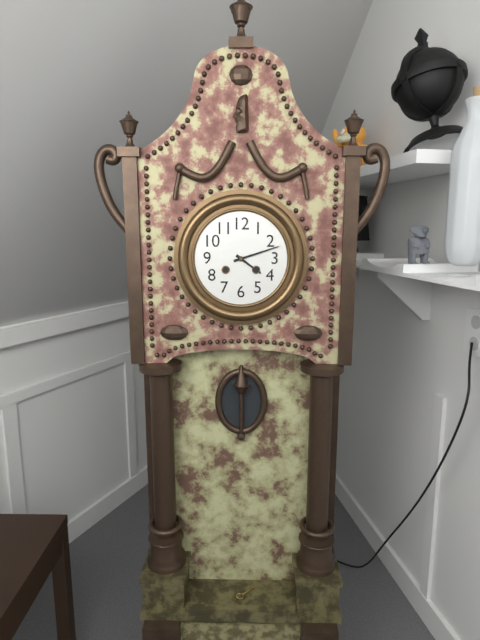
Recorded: {"hour": 4, "minute": 12}
